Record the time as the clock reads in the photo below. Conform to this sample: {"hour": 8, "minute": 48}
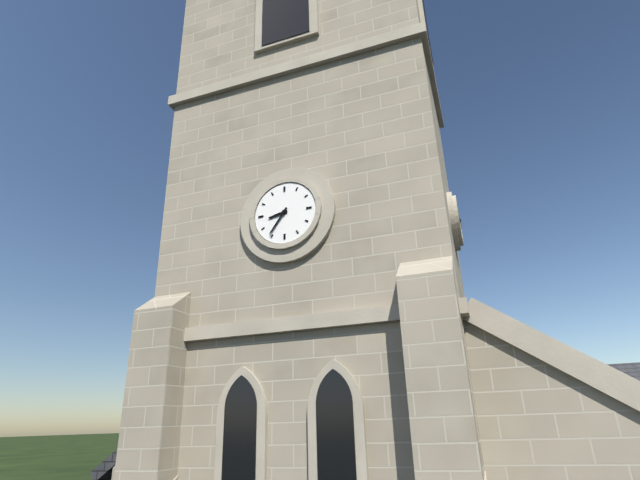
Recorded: {"hour": 8, "minute": 36}
